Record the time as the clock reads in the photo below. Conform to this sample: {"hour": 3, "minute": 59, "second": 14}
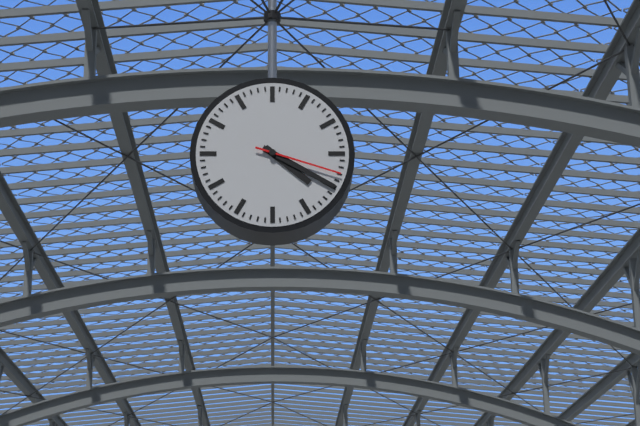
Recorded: {"hour": 4, "minute": 20, "second": 18}
